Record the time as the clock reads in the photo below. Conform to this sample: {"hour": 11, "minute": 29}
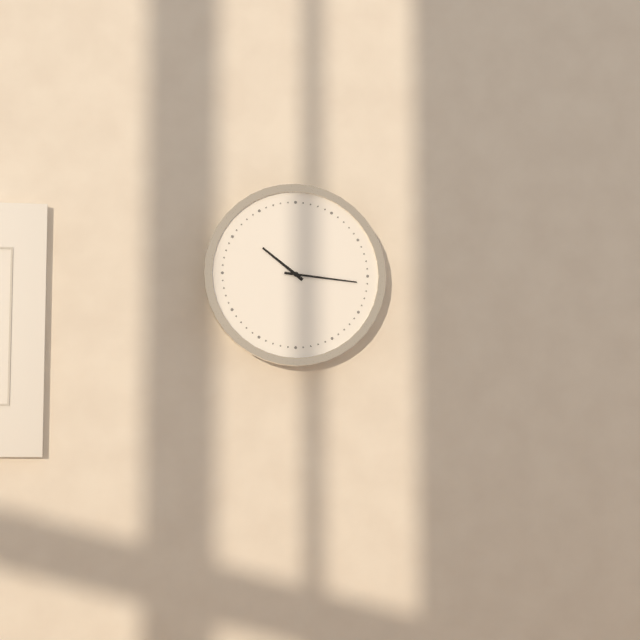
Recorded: {"hour": 10, "minute": 16}
